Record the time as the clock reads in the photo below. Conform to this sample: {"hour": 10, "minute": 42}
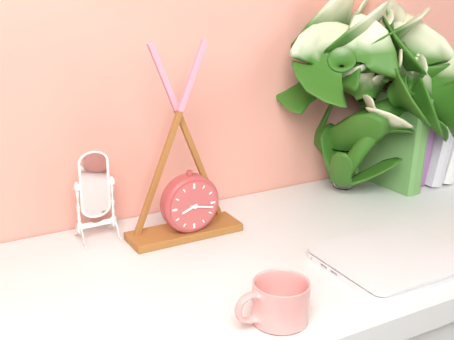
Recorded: {"hour": 8, "minute": 17}
